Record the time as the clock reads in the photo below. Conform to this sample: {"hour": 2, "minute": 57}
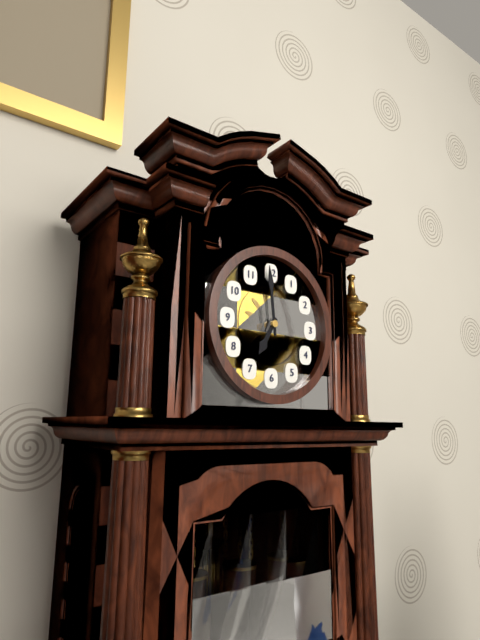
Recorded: {"hour": 6, "minute": 59}
